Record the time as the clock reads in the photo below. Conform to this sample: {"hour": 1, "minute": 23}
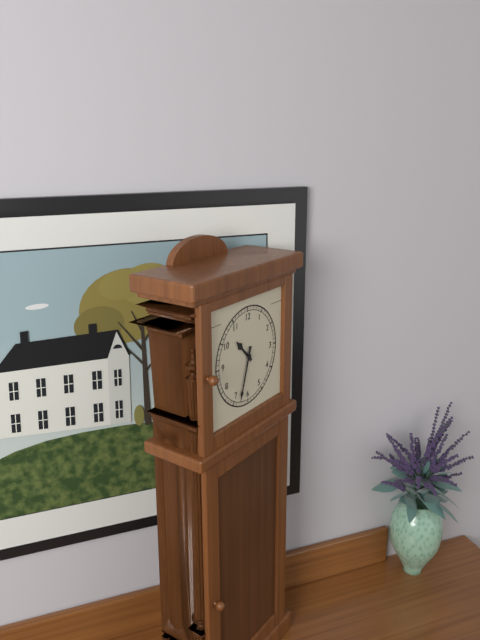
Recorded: {"hour": 10, "minute": 33}
